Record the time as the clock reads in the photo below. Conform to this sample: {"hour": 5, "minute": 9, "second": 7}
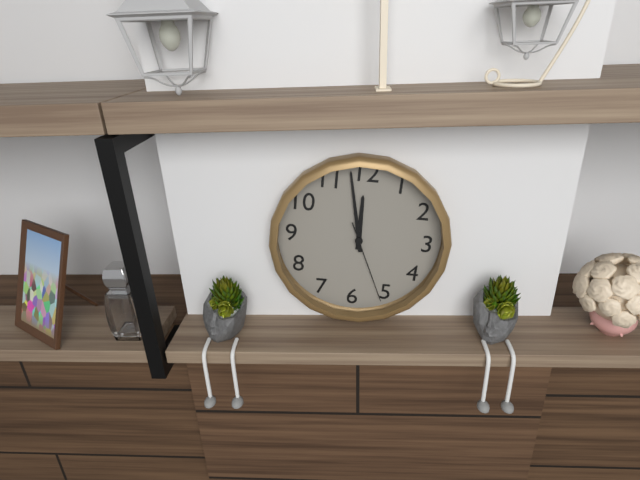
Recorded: {"hour": 11, "minute": 58, "second": 26}
